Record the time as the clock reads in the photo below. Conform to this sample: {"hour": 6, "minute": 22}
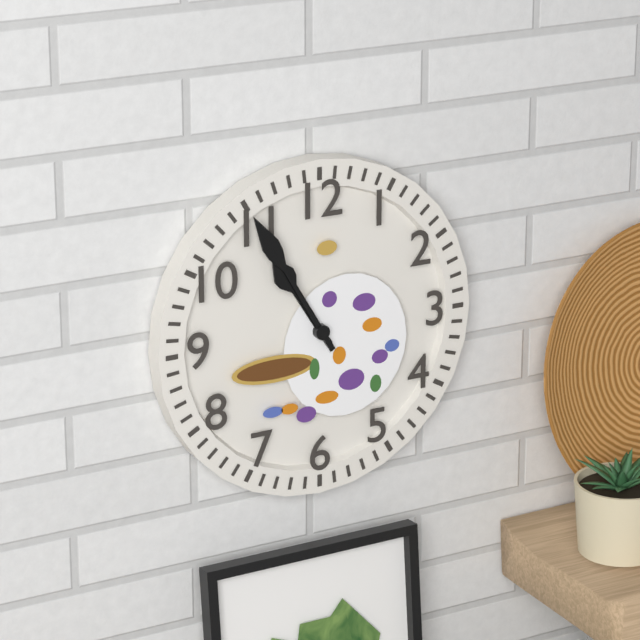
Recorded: {"hour": 10, "minute": 55}
